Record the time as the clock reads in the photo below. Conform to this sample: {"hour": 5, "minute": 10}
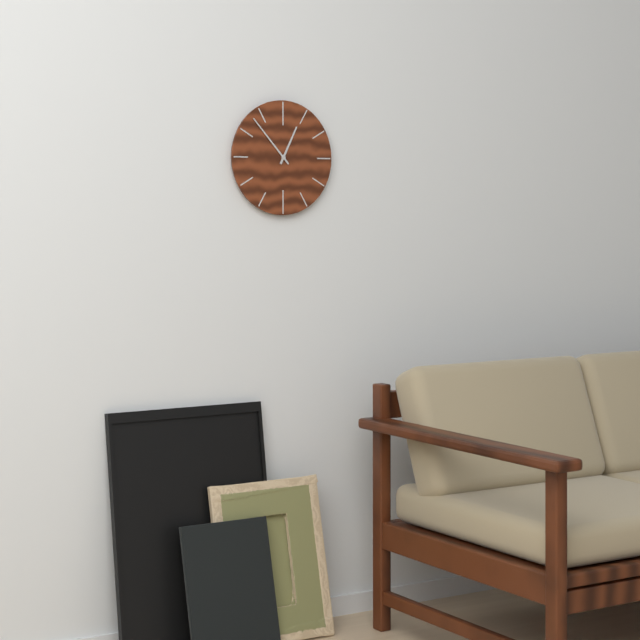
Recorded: {"hour": 12, "minute": 53}
